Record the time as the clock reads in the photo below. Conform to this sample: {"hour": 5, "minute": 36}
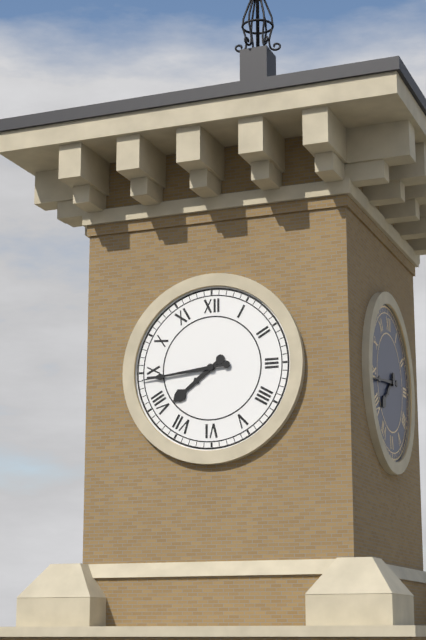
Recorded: {"hour": 7, "minute": 44}
